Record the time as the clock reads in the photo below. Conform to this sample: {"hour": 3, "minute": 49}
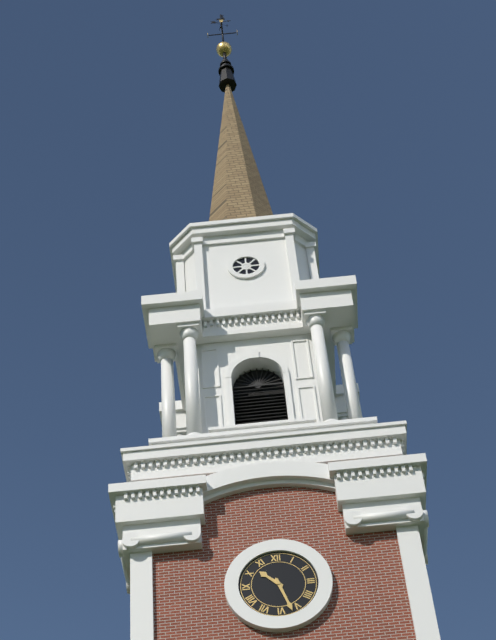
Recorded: {"hour": 10, "minute": 27}
